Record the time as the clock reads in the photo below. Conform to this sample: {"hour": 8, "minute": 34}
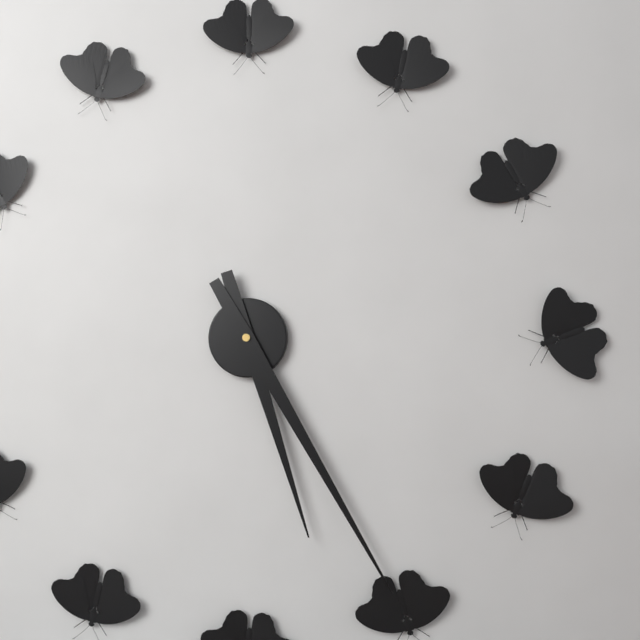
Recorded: {"hour": 5, "minute": 25}
